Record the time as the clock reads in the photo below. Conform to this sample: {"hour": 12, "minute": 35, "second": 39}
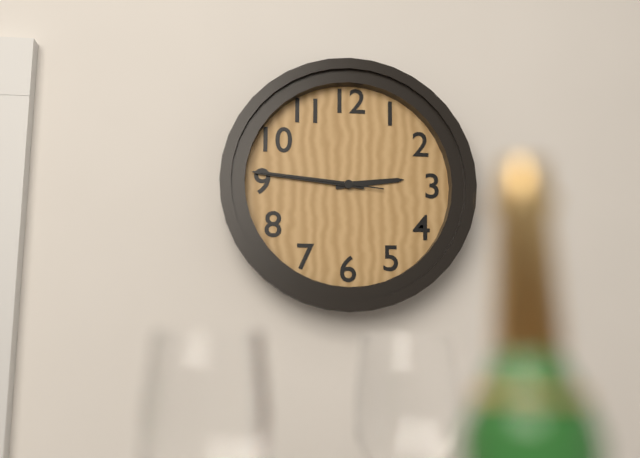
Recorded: {"hour": 2, "minute": 46, "second": 46}
